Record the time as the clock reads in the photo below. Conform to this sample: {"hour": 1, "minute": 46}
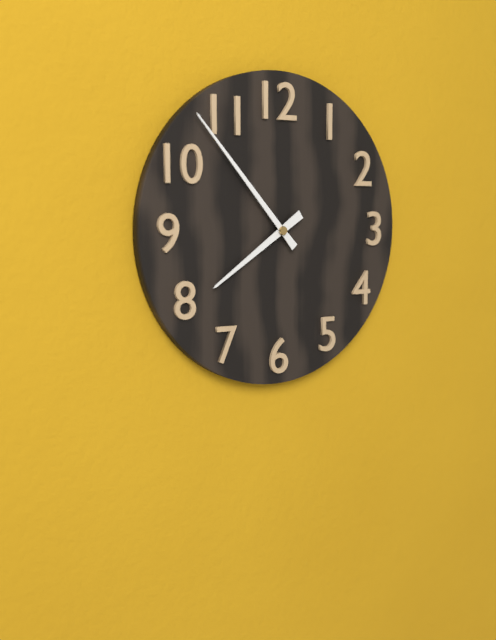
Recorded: {"hour": 7, "minute": 53}
